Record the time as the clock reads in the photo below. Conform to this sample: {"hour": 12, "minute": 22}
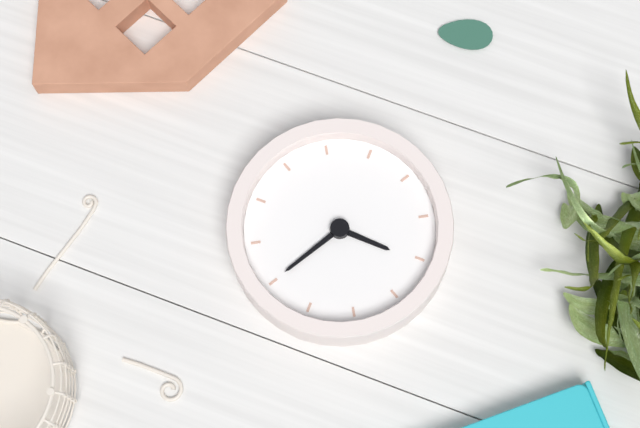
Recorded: {"hour": 9, "minute": 5}
